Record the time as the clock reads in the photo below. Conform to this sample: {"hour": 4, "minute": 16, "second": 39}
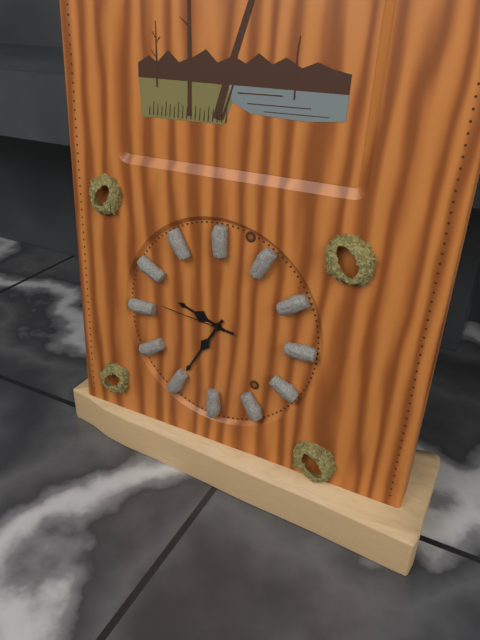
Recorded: {"hour": 9, "minute": 35, "second": 46}
